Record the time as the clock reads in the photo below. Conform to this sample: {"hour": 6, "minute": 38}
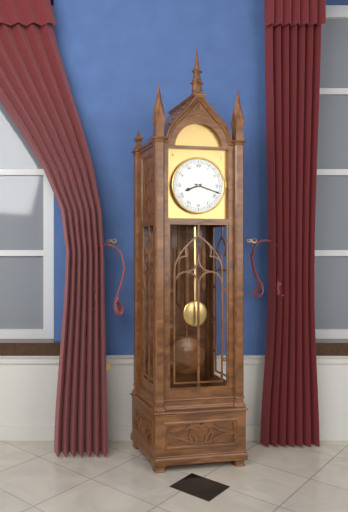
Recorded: {"hour": 8, "minute": 18}
